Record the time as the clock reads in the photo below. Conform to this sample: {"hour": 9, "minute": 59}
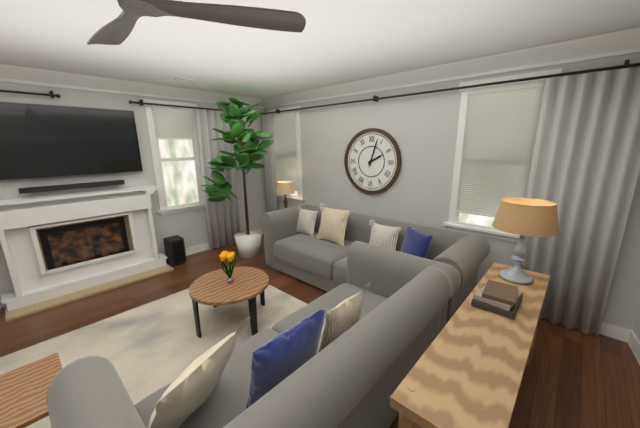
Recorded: {"hour": 2, "minute": 3}
